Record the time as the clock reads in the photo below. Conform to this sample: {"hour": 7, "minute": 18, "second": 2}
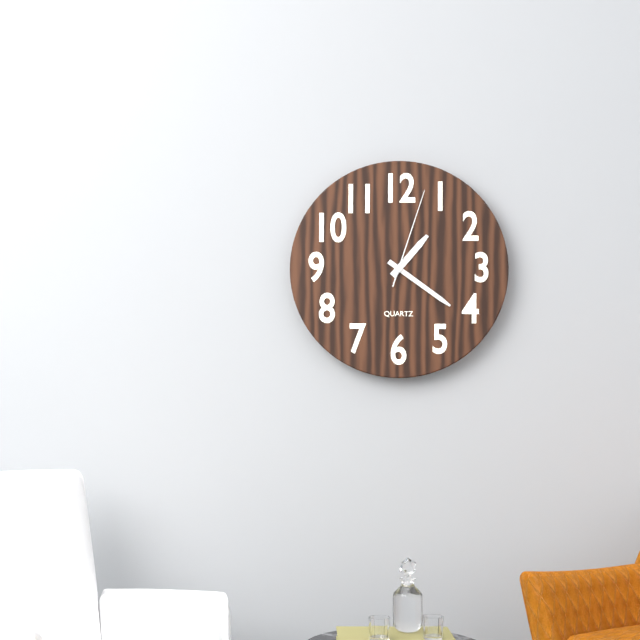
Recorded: {"hour": 1, "minute": 21, "second": 3}
